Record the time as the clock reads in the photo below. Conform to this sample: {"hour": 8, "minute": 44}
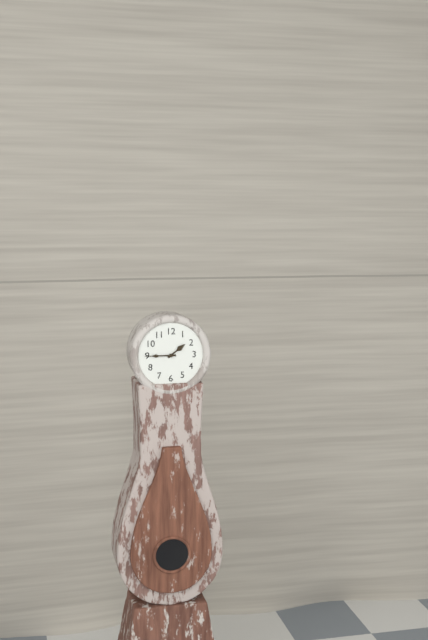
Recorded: {"hour": 1, "minute": 45}
